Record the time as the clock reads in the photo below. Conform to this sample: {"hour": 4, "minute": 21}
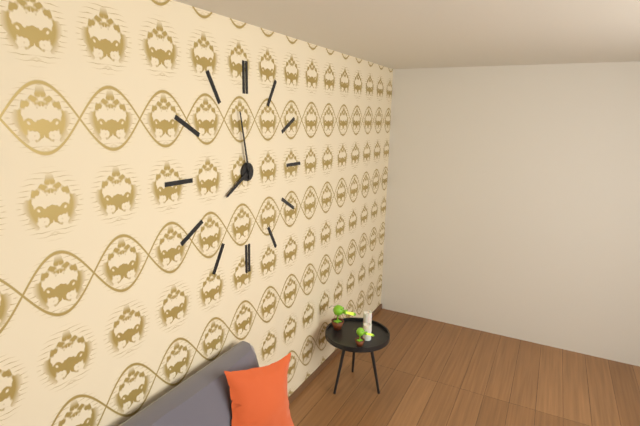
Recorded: {"hour": 7, "minute": 58}
